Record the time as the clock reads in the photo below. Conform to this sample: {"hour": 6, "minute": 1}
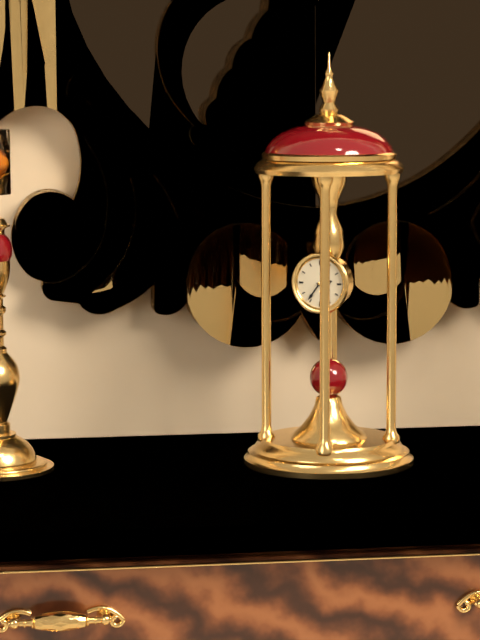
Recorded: {"hour": 2, "minute": 36}
